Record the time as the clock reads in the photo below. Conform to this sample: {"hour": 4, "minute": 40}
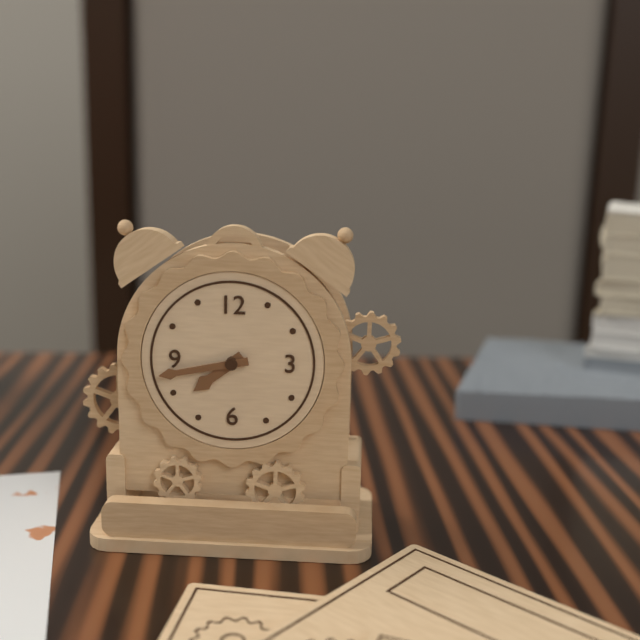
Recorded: {"hour": 7, "minute": 43}
